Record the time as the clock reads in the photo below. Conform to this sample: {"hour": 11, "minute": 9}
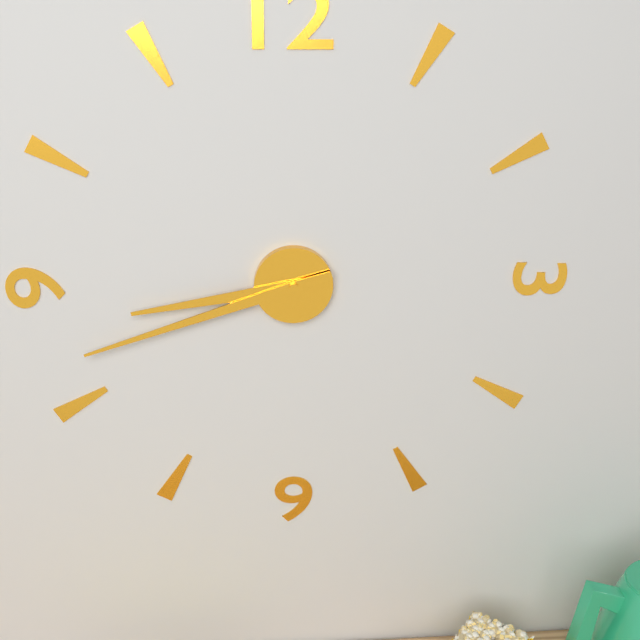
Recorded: {"hour": 8, "minute": 42}
